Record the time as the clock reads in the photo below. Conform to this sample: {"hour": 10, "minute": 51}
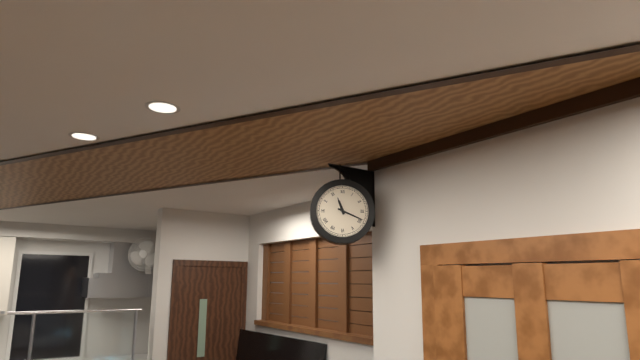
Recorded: {"hour": 11, "minute": 19}
